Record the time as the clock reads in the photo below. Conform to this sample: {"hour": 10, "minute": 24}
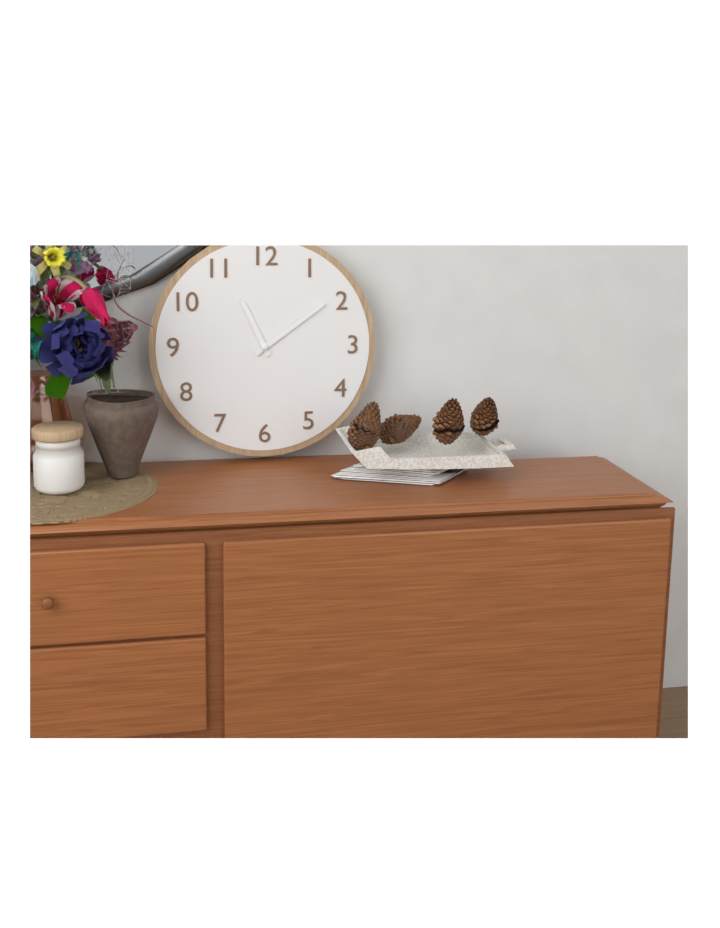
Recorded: {"hour": 11, "minute": 9}
